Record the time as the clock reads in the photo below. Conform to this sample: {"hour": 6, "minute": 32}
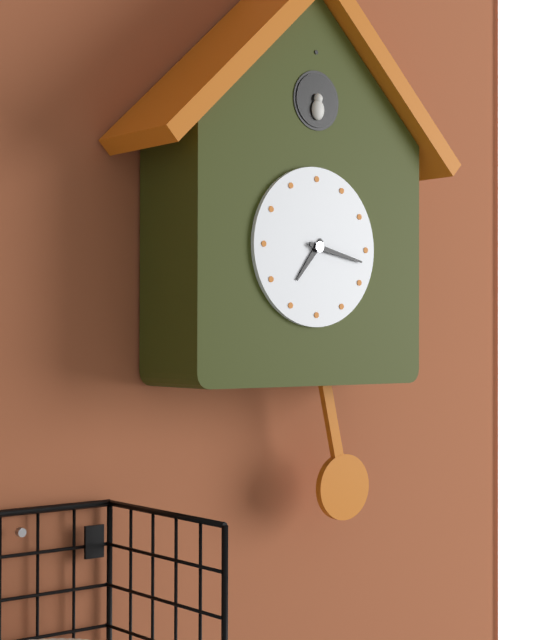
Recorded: {"hour": 7, "minute": 17}
